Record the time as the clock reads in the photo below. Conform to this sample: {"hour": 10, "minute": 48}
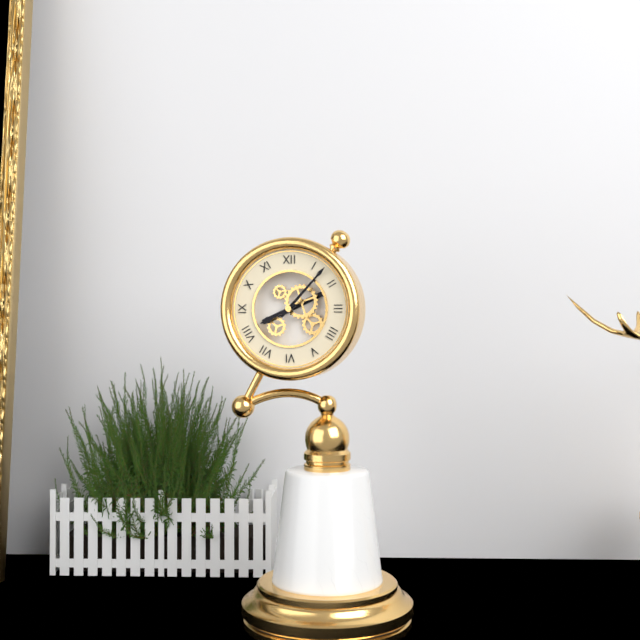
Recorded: {"hour": 8, "minute": 7}
